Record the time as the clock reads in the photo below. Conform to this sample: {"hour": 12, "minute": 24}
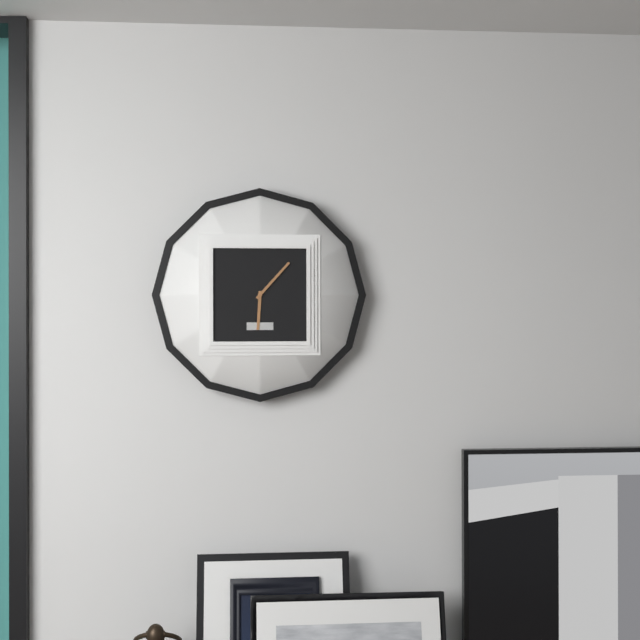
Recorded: {"hour": 6, "minute": 7}
